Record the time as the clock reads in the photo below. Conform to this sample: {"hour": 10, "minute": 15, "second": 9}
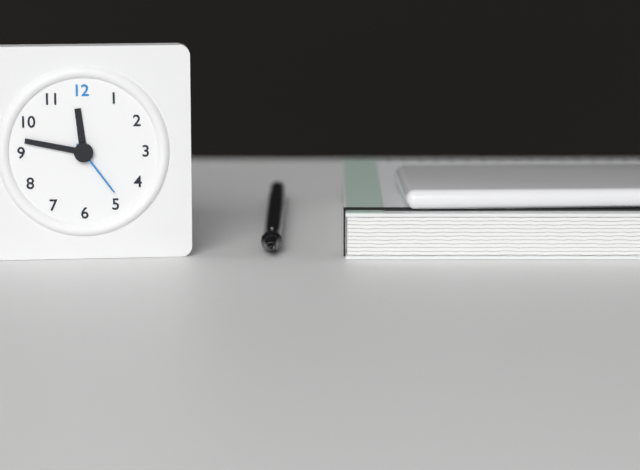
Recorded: {"hour": 11, "minute": 47, "second": 24}
